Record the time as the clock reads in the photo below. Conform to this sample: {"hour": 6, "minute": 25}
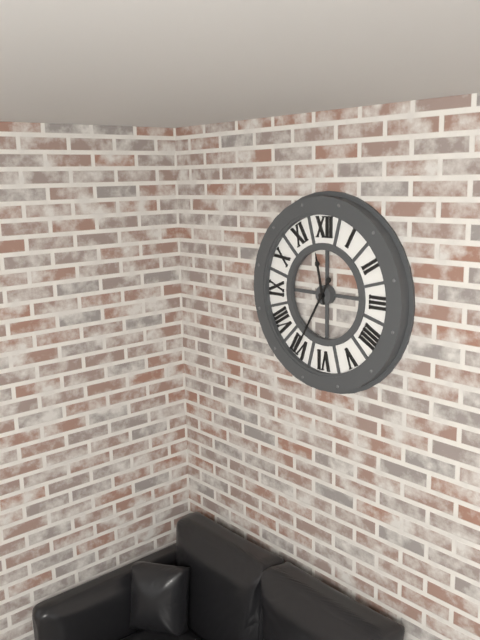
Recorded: {"hour": 11, "minute": 35}
